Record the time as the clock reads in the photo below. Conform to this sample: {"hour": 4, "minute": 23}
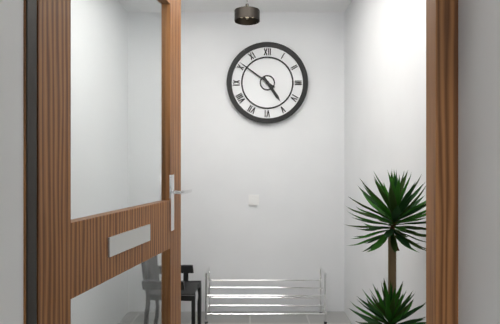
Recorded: {"hour": 4, "minute": 51}
